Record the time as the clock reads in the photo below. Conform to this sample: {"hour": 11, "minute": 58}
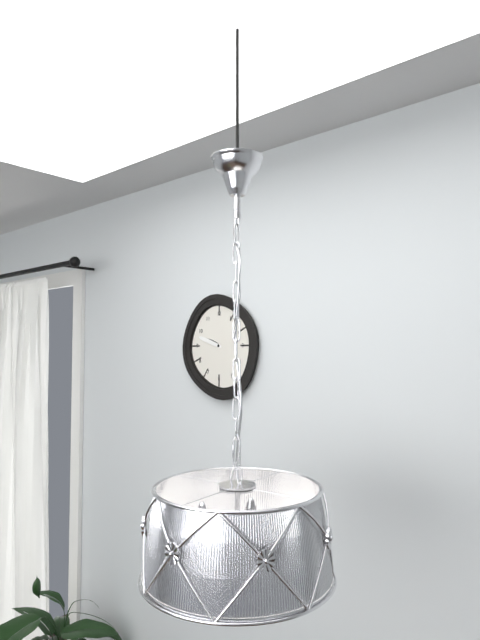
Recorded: {"hour": 9, "minute": 48}
